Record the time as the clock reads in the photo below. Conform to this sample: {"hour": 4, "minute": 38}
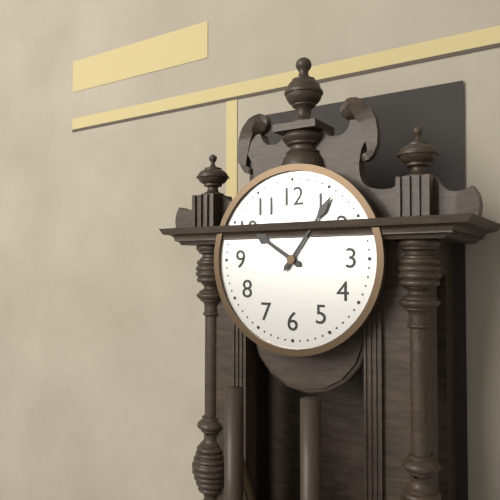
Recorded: {"hour": 10, "minute": 6}
